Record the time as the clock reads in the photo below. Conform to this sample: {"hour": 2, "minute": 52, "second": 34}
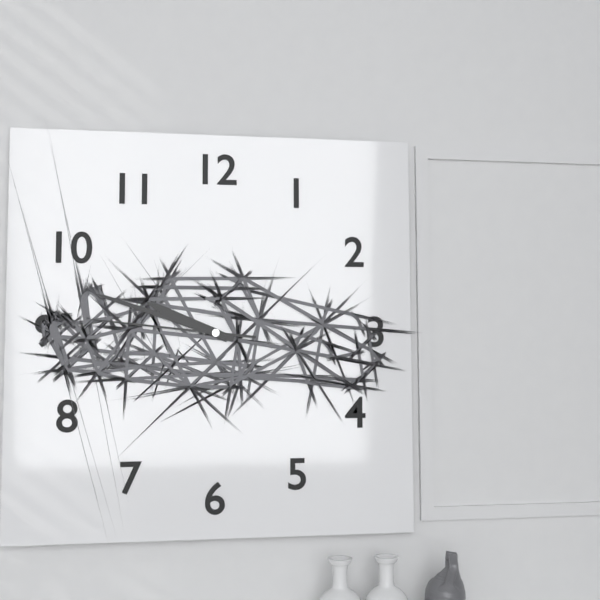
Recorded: {"hour": 9, "minute": 48, "second": 46}
